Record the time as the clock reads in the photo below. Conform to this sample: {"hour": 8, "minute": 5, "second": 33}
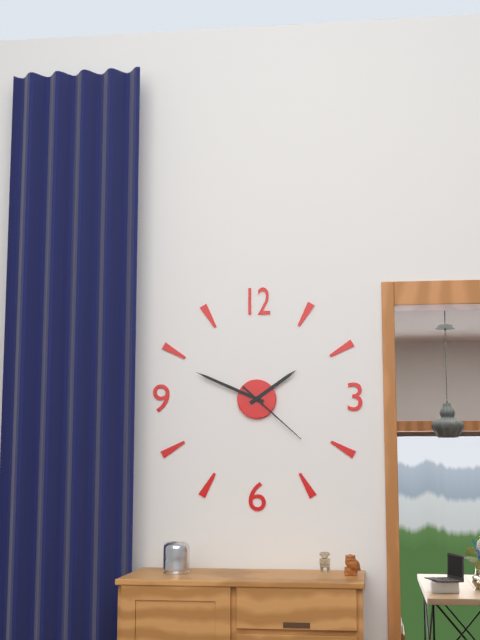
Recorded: {"hour": 1, "minute": 49, "second": 22}
